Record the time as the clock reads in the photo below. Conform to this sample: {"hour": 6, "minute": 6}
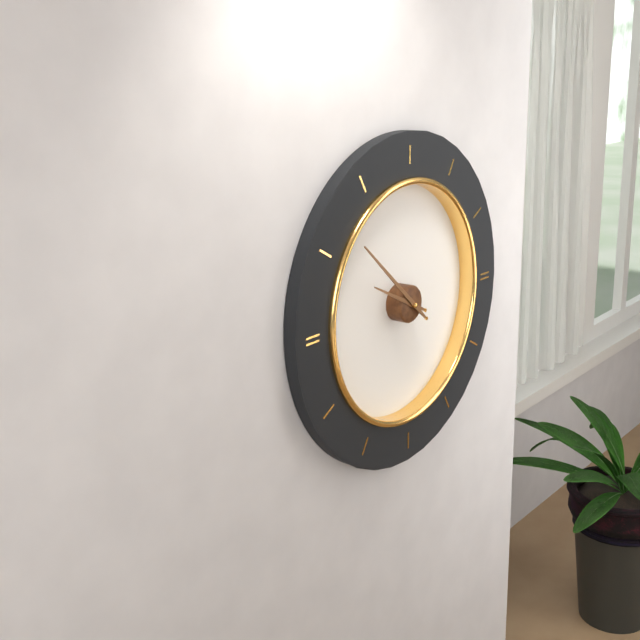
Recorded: {"hour": 9, "minute": 52}
